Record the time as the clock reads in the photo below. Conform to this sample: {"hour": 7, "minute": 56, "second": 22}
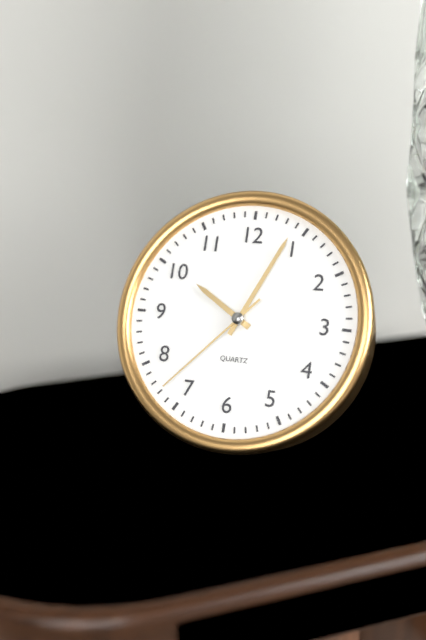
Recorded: {"hour": 10, "minute": 4, "second": 37}
